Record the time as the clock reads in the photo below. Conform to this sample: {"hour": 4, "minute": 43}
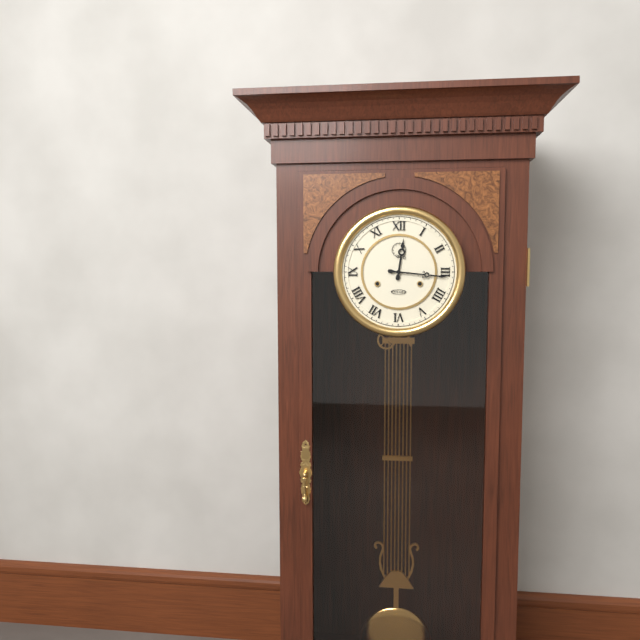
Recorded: {"hour": 12, "minute": 16}
